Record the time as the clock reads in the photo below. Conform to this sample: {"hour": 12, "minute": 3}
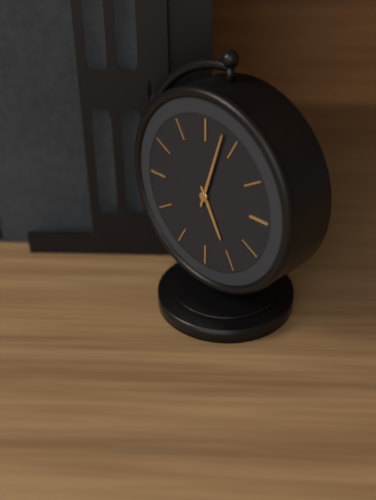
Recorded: {"hour": 5, "minute": 3}
